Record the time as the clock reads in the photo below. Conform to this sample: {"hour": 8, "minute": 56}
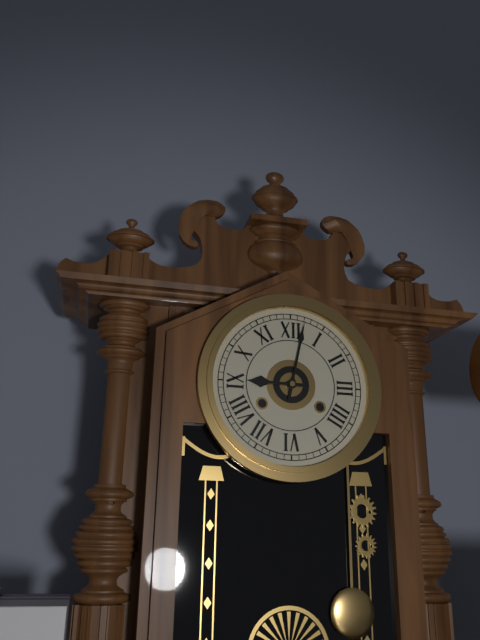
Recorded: {"hour": 9, "minute": 2}
